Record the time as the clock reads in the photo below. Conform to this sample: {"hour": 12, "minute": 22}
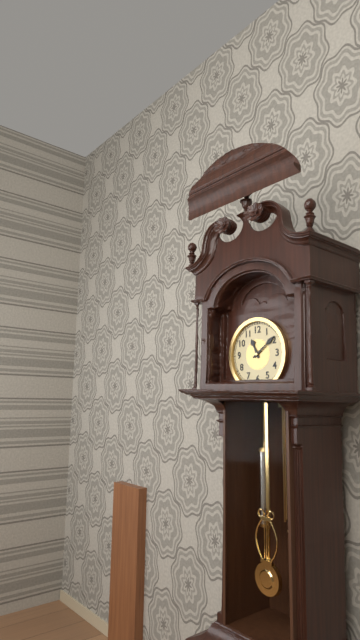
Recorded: {"hour": 11, "minute": 9}
